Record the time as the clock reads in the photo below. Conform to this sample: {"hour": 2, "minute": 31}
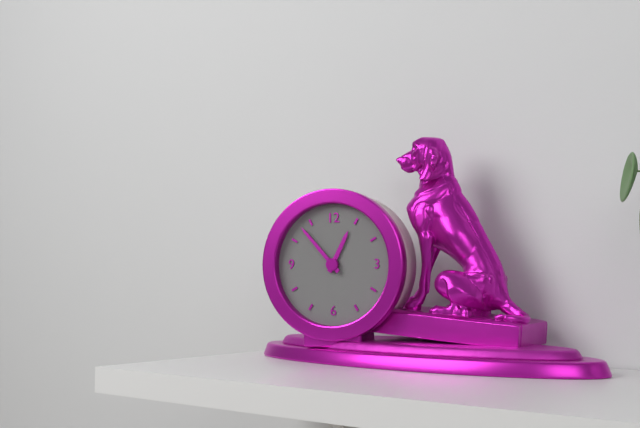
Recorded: {"hour": 12, "minute": 53}
